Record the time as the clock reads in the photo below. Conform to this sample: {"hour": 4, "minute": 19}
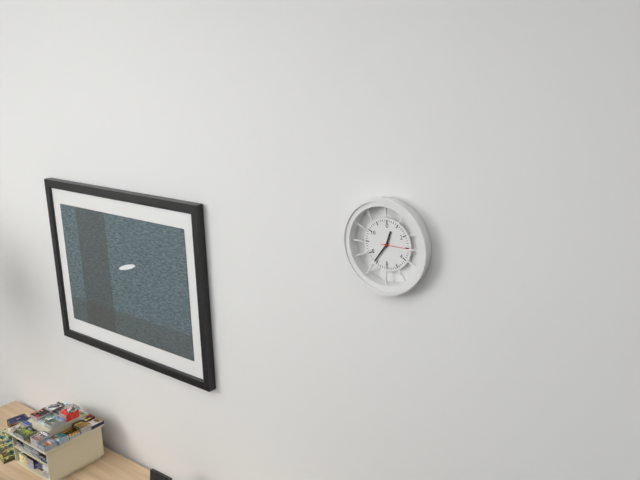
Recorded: {"hour": 12, "minute": 36}
